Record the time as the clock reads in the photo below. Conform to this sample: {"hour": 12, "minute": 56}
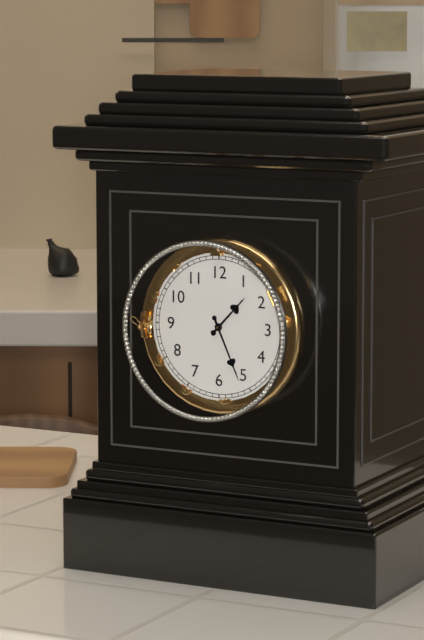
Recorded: {"hour": 1, "minute": 26}
